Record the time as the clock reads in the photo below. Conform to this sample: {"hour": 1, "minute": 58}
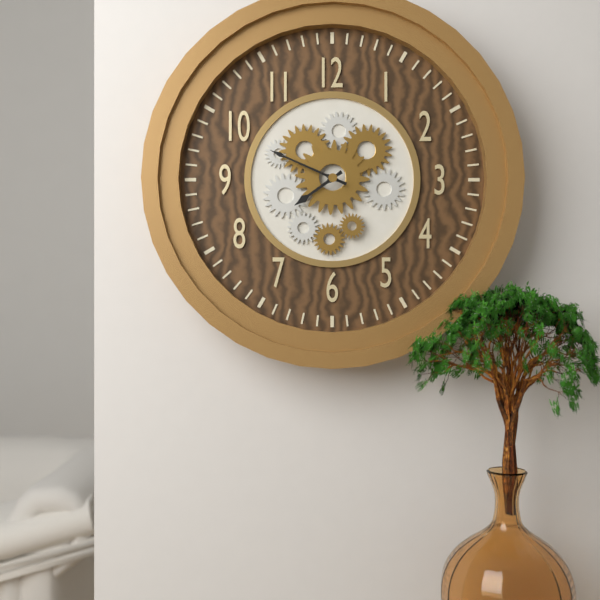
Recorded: {"hour": 7, "minute": 49}
